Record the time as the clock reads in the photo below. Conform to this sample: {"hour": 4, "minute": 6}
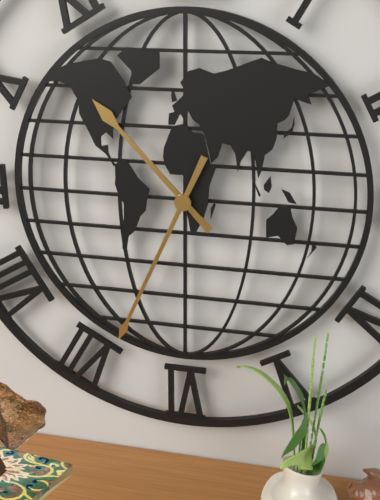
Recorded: {"hour": 10, "minute": 34}
